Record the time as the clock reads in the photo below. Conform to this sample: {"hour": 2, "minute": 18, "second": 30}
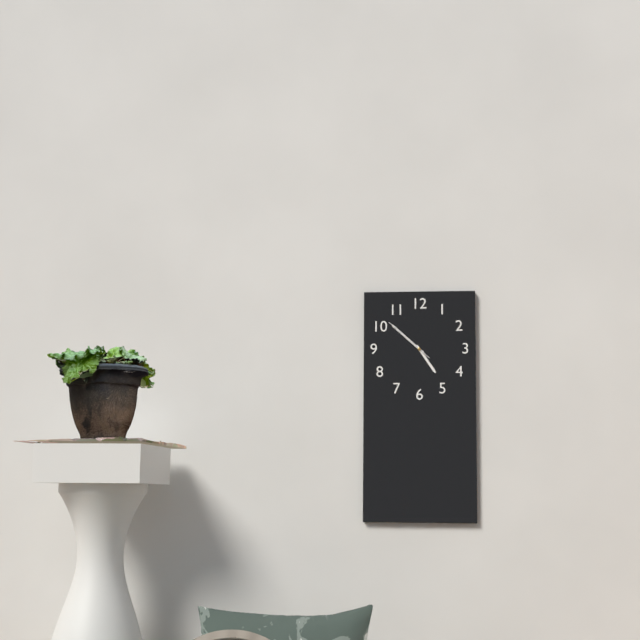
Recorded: {"hour": 4, "minute": 52, "second": 52}
